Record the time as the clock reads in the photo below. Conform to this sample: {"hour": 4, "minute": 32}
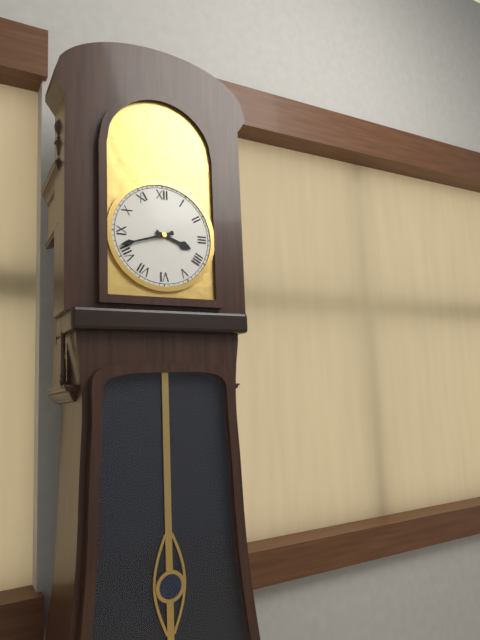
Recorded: {"hour": 3, "minute": 42}
